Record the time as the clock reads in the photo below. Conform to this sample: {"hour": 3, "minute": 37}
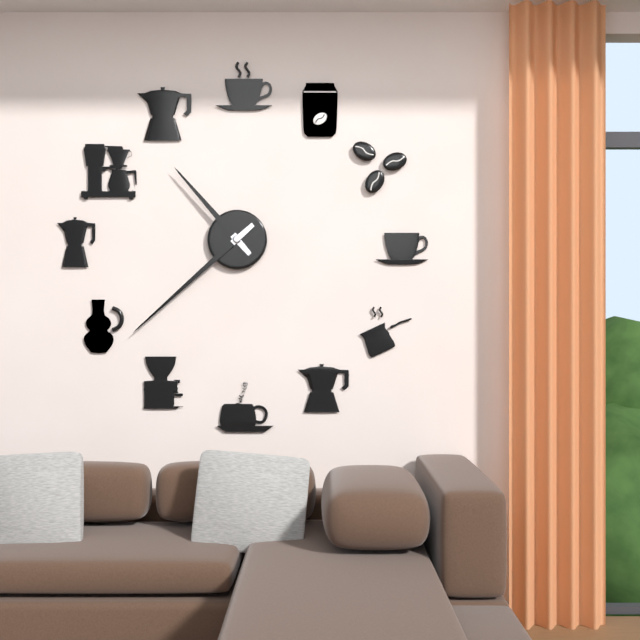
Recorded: {"hour": 10, "minute": 38}
